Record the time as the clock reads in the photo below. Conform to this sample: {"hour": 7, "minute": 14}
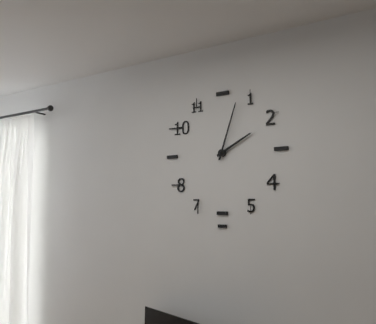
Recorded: {"hour": 2, "minute": 3}
